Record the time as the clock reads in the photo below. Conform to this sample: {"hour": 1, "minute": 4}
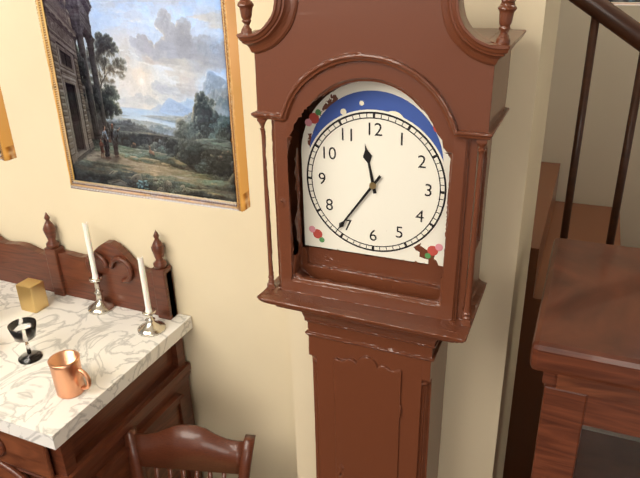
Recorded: {"hour": 11, "minute": 36}
